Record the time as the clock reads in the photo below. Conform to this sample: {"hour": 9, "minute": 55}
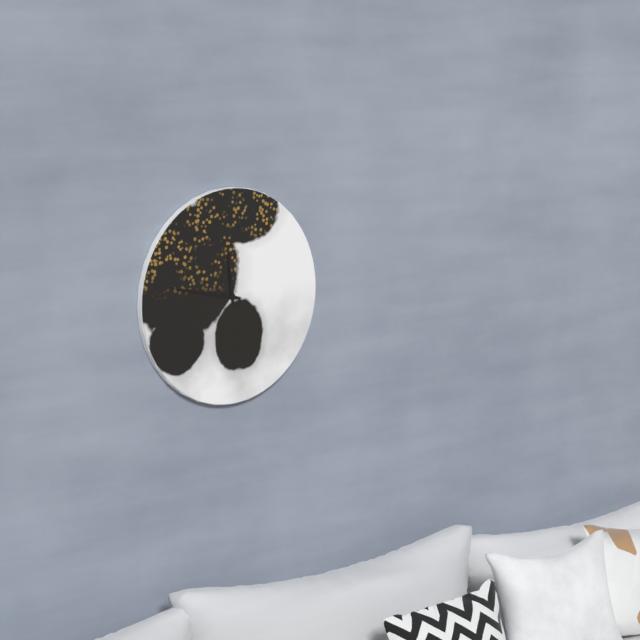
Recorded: {"hour": 11, "minute": 47}
